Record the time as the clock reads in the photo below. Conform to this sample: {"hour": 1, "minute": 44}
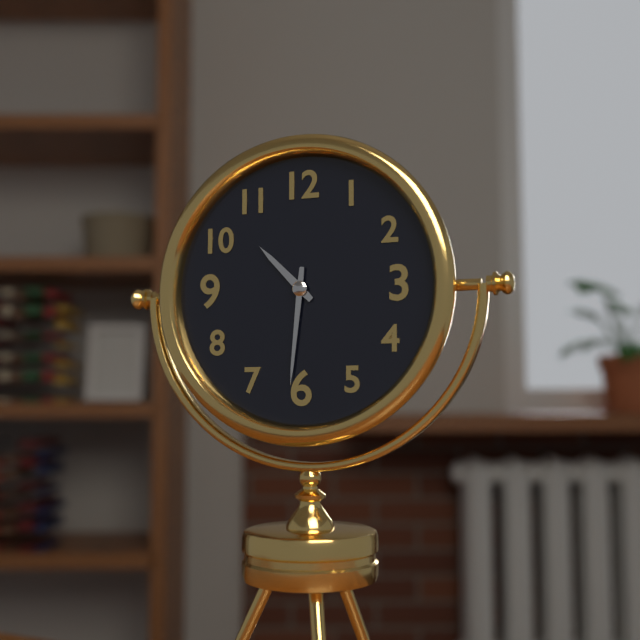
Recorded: {"hour": 10, "minute": 31}
